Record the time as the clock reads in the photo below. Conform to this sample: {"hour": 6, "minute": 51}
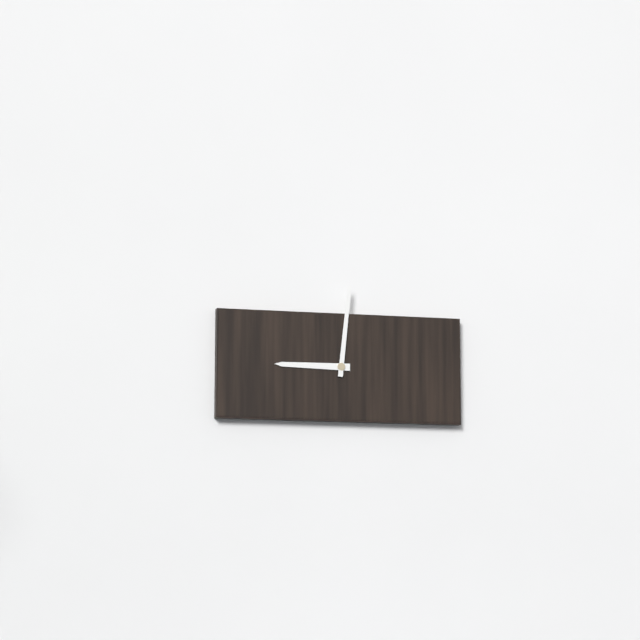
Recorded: {"hour": 9, "minute": 1}
